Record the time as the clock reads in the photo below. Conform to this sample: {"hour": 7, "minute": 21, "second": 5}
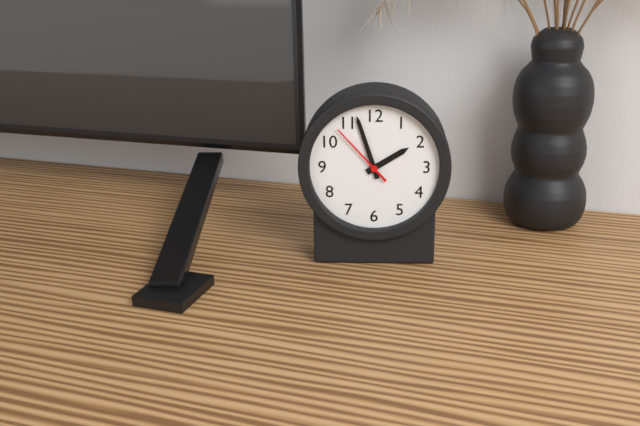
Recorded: {"hour": 1, "minute": 57, "second": 53}
